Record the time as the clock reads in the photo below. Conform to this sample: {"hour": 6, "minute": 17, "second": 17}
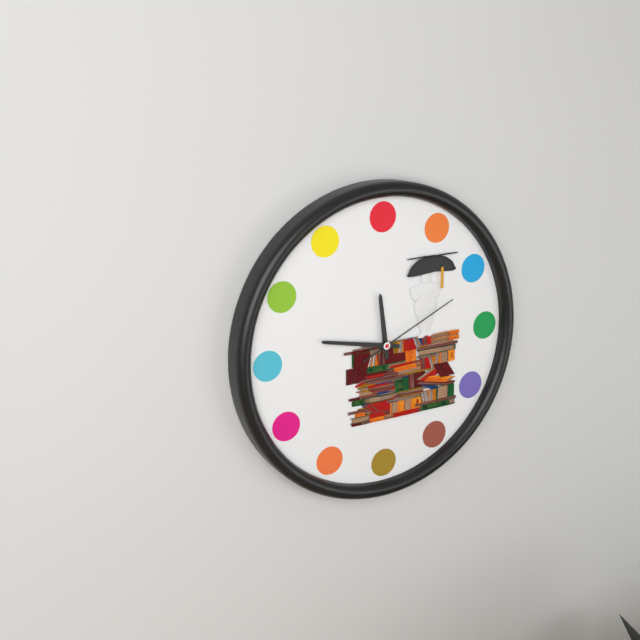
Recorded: {"hour": 11, "minute": 47, "second": 11}
